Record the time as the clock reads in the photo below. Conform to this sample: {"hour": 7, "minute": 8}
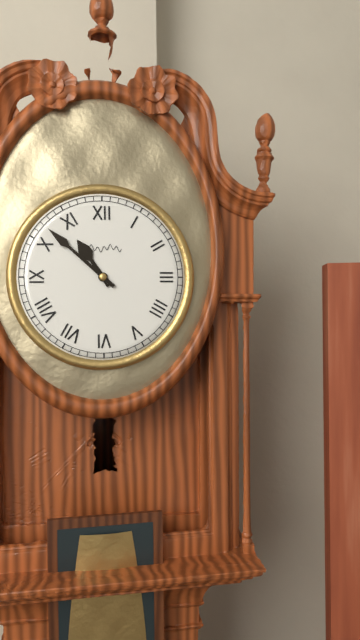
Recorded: {"hour": 10, "minute": 52}
